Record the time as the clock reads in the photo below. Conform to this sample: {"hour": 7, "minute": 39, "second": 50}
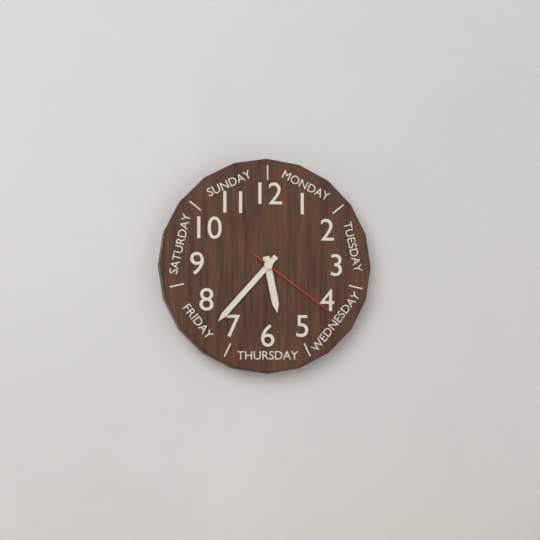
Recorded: {"hour": 5, "minute": 37, "second": 21}
